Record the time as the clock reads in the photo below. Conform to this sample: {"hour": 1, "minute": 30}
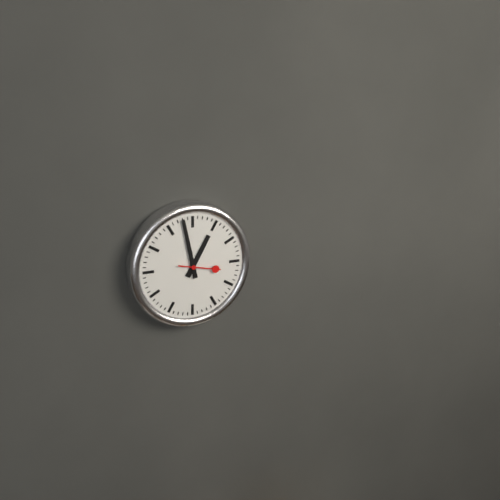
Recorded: {"hour": 12, "minute": 58}
